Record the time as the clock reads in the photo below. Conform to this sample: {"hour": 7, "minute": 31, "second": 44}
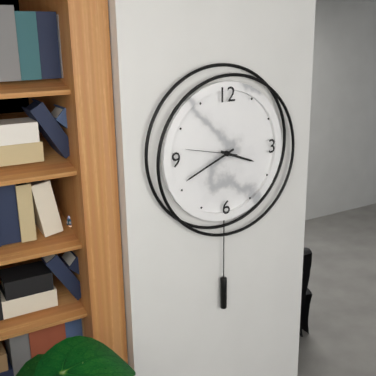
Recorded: {"hour": 3, "minute": 41, "second": 47}
